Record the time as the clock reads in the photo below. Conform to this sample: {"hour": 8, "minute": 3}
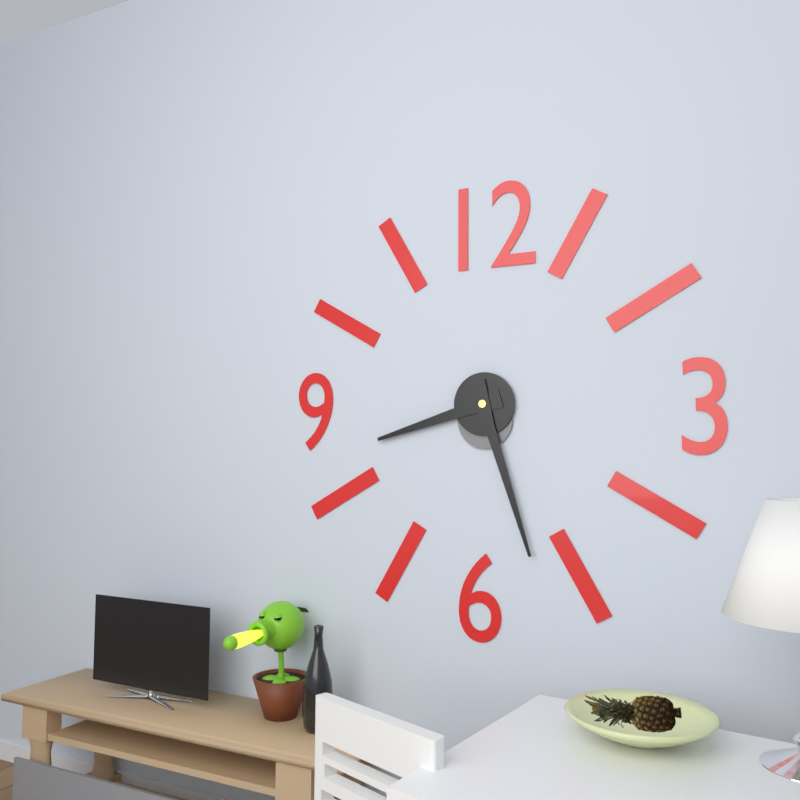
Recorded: {"hour": 8, "minute": 27}
